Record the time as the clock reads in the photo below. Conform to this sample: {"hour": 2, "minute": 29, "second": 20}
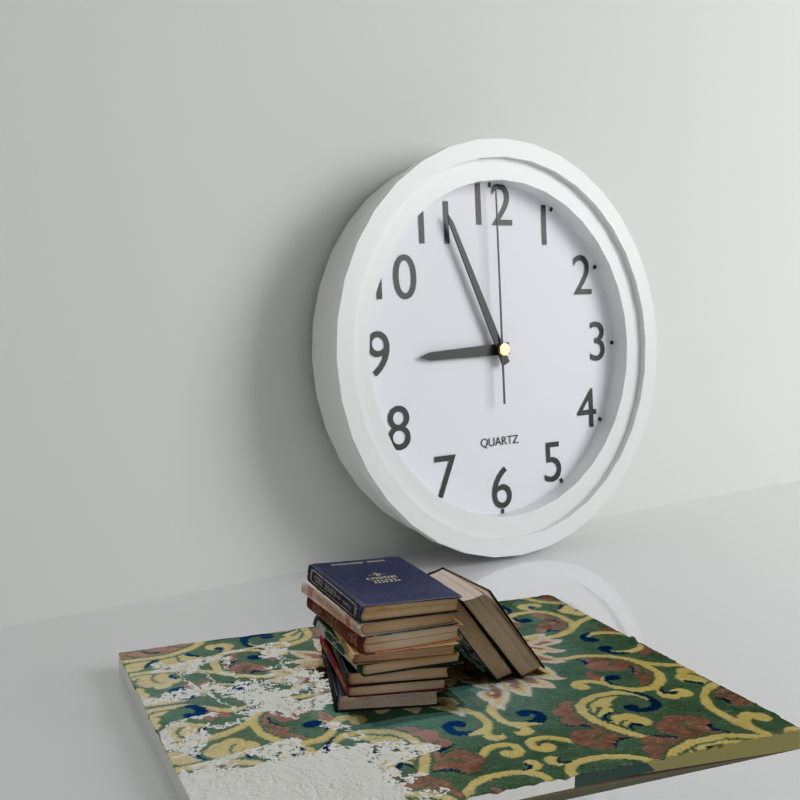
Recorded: {"hour": 8, "minute": 56, "second": 0}
